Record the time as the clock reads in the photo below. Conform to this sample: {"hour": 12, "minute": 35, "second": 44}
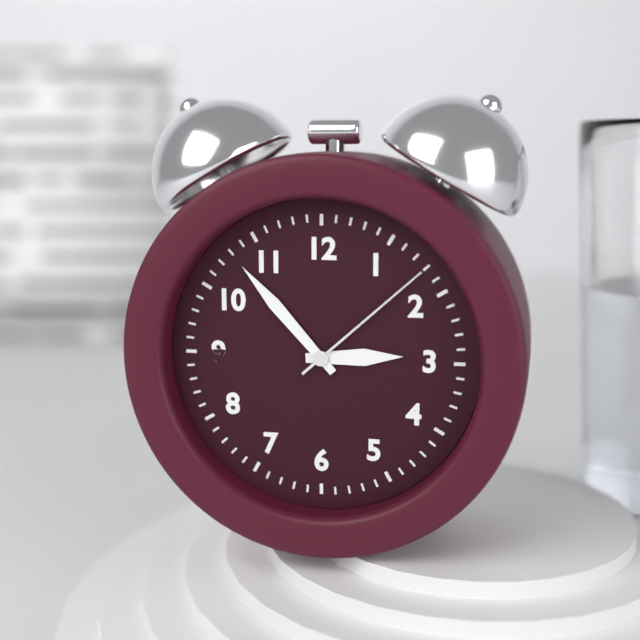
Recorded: {"hour": 2, "minute": 53, "second": 8}
